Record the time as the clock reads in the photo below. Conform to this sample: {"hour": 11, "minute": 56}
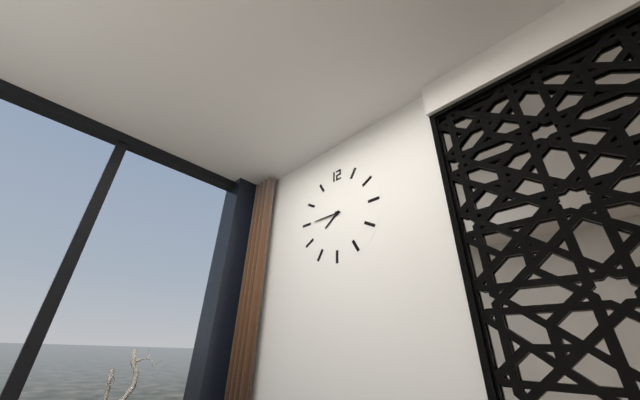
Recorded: {"hour": 7, "minute": 45}
